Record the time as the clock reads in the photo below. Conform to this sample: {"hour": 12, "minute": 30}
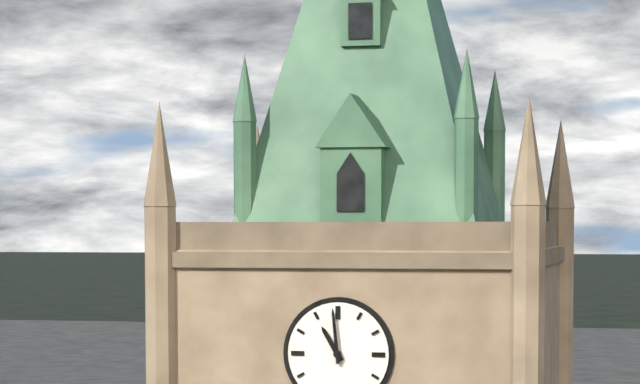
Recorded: {"hour": 10, "minute": 59}
